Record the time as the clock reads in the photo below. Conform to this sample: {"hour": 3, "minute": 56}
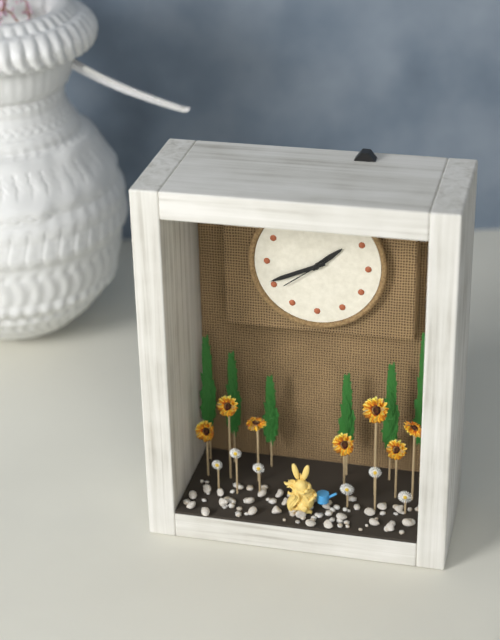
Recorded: {"hour": 1, "minute": 41}
